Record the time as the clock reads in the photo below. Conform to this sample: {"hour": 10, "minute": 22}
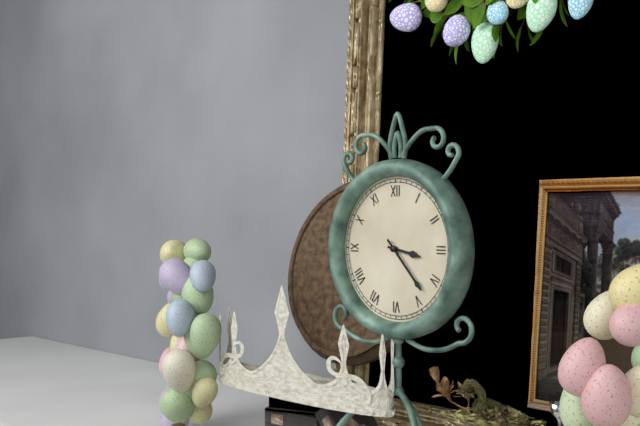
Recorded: {"hour": 3, "minute": 23}
